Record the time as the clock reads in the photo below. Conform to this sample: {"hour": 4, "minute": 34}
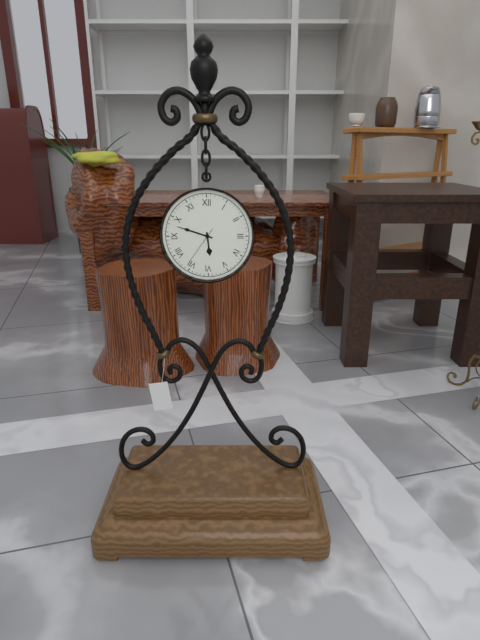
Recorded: {"hour": 5, "minute": 48}
